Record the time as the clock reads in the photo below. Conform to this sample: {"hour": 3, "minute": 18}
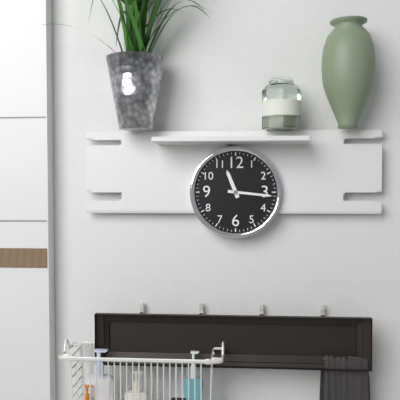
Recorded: {"hour": 11, "minute": 16}
